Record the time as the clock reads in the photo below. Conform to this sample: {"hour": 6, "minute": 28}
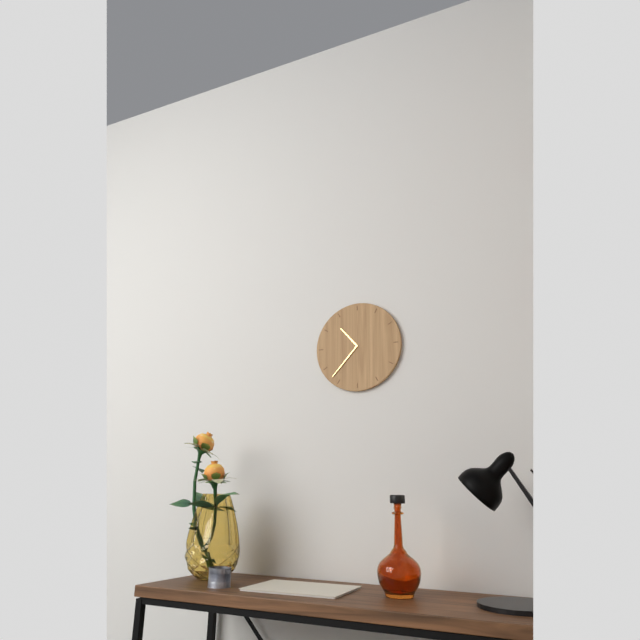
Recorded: {"hour": 10, "minute": 37}
